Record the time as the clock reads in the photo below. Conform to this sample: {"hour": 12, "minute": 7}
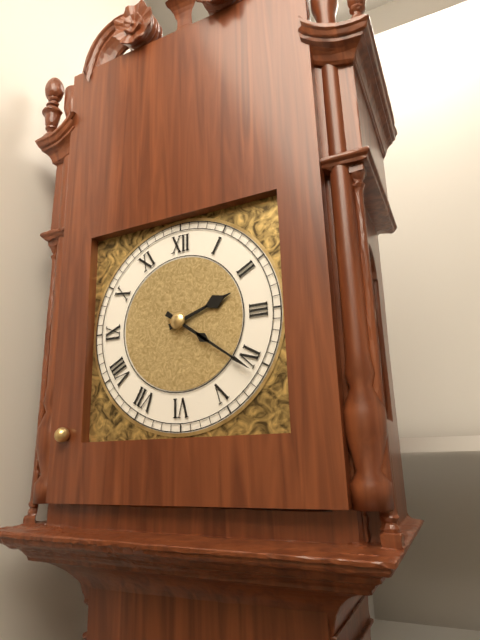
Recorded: {"hour": 2, "minute": 21}
